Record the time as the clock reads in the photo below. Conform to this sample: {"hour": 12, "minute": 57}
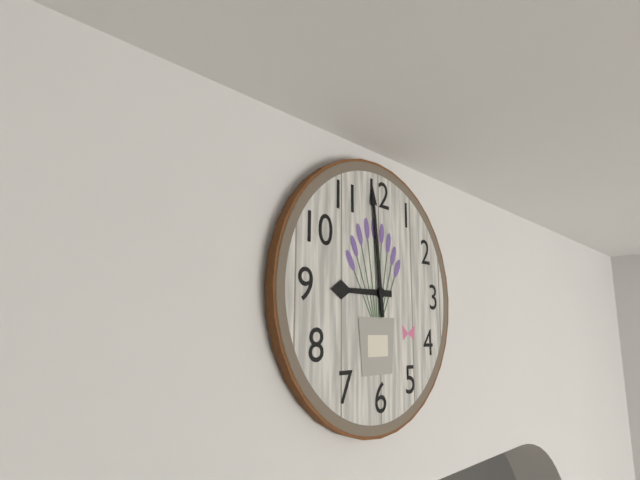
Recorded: {"hour": 8, "minute": 59}
